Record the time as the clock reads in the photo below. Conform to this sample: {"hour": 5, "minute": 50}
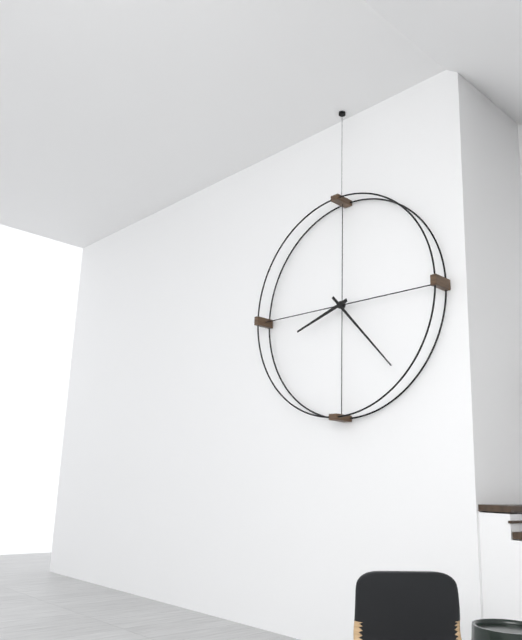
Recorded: {"hour": 8, "minute": 23}
